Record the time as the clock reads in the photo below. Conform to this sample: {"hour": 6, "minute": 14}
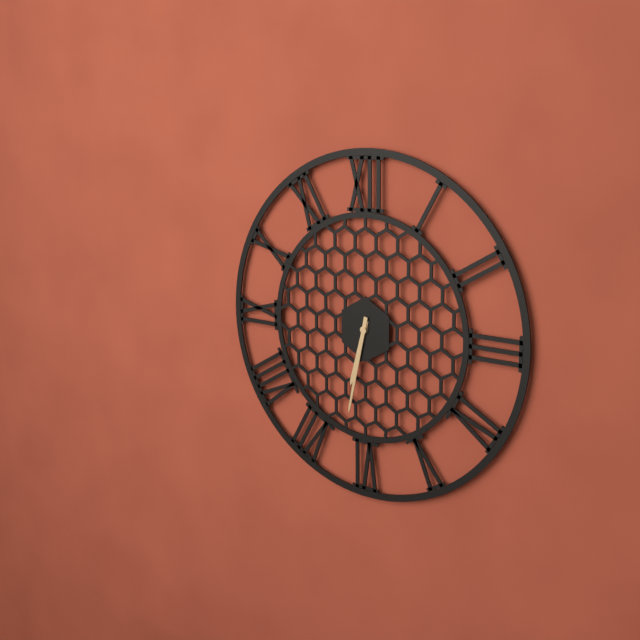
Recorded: {"hour": 6, "minute": 32}
